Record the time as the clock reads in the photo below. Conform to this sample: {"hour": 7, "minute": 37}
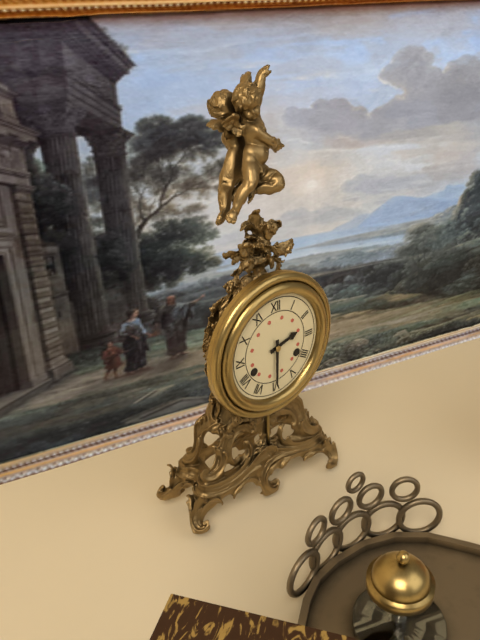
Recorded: {"hour": 2, "minute": 30}
